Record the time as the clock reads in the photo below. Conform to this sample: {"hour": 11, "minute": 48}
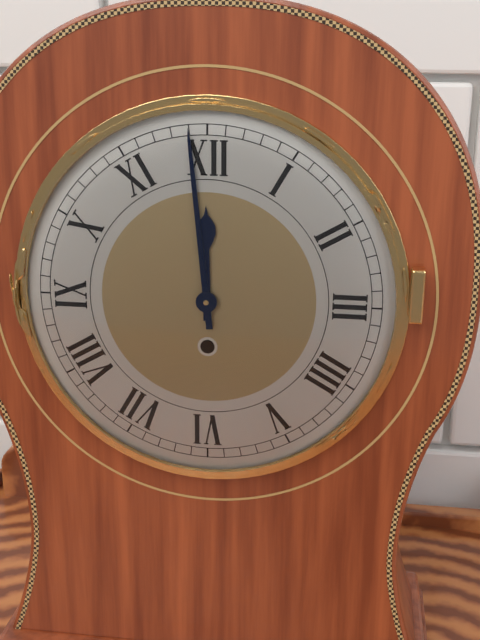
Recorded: {"hour": 11, "minute": 59}
